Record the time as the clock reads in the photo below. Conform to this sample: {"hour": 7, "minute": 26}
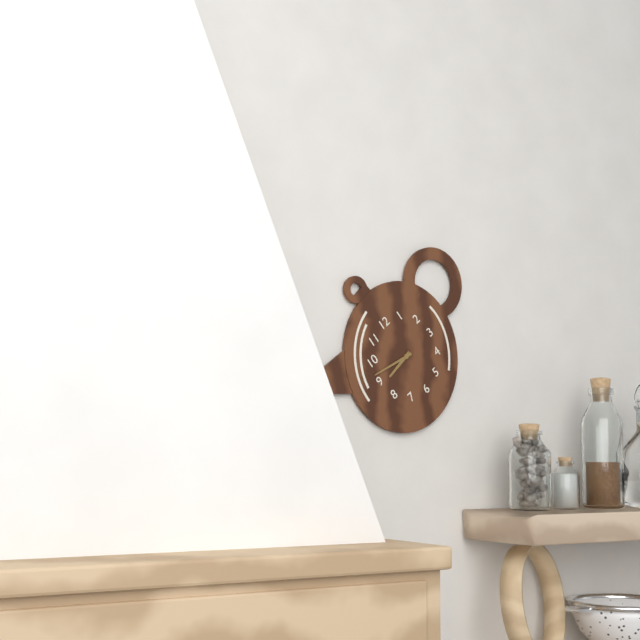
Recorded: {"hour": 8, "minute": 47}
